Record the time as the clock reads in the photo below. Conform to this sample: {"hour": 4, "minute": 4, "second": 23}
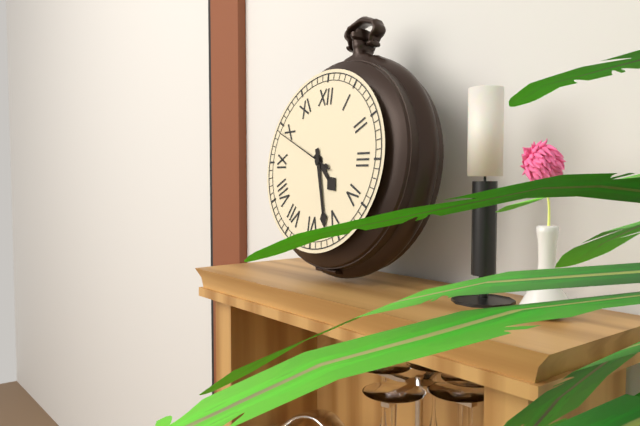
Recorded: {"hour": 4, "minute": 27, "second": 49}
